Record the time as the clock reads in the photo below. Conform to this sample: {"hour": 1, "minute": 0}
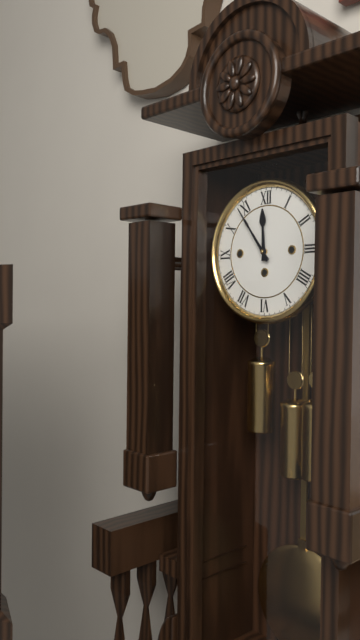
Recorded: {"hour": 11, "minute": 54}
